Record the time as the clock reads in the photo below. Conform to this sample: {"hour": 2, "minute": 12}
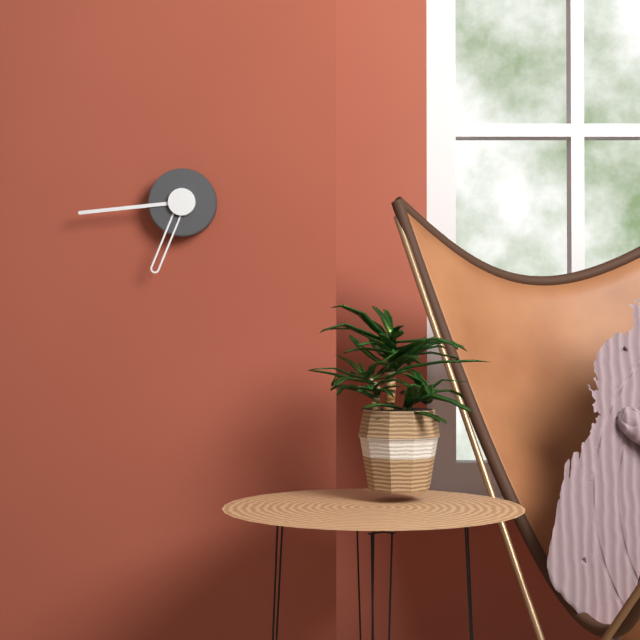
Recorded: {"hour": 6, "minute": 44}
